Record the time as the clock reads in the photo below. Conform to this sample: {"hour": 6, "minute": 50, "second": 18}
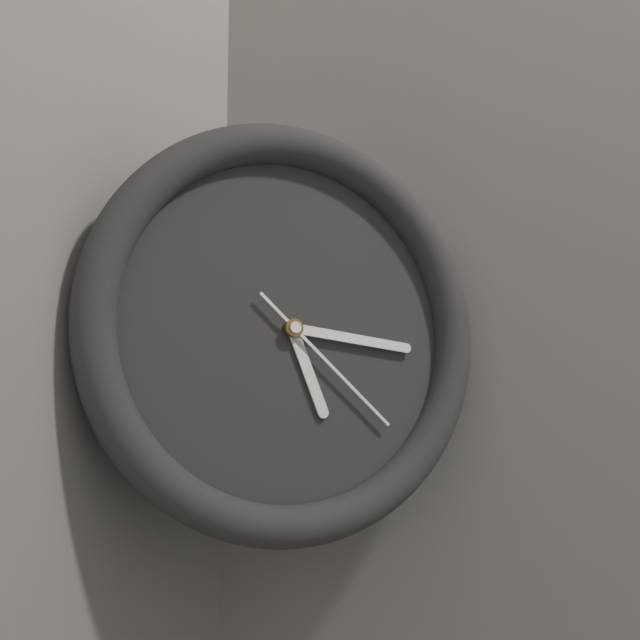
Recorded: {"hour": 5, "minute": 16, "second": 22}
